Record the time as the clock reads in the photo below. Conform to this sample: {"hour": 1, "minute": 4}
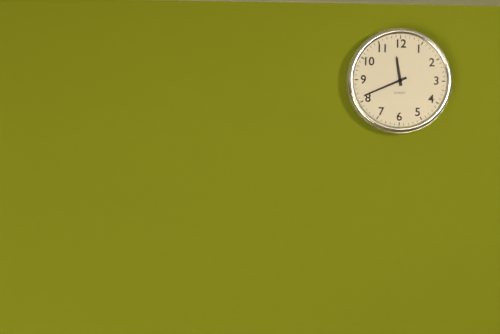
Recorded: {"hour": 11, "minute": 41}
